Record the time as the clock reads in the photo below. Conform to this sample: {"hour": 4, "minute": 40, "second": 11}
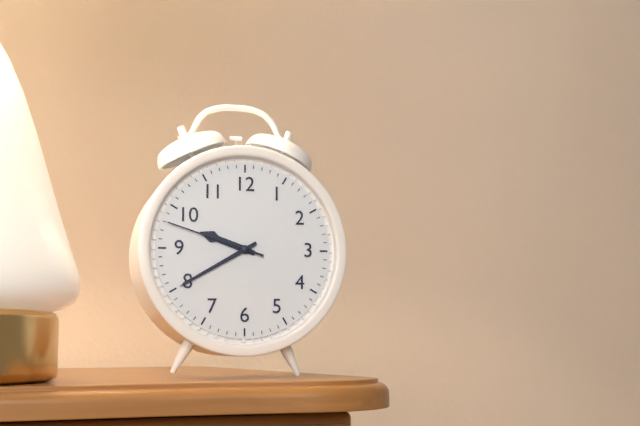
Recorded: {"hour": 9, "minute": 40, "second": 48}
